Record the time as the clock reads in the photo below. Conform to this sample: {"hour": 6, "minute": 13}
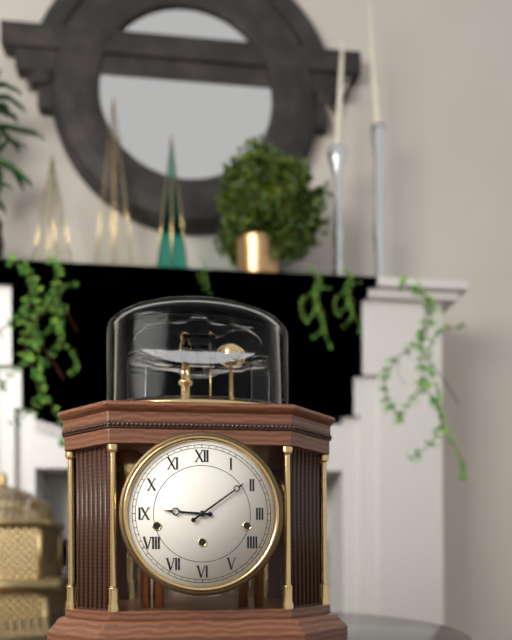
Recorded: {"hour": 9, "minute": 9}
